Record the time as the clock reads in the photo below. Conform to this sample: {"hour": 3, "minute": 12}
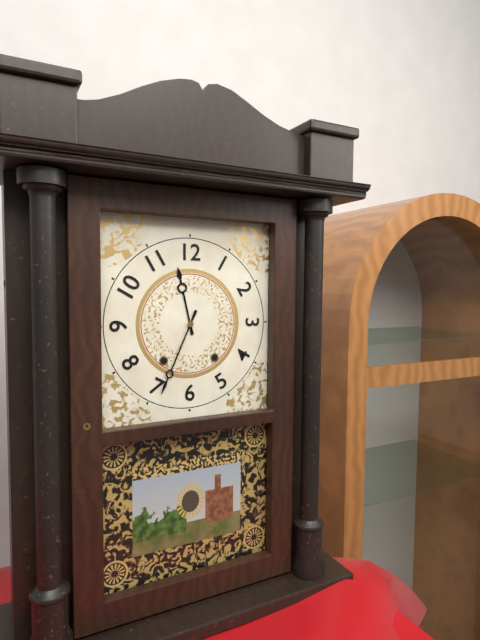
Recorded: {"hour": 11, "minute": 34}
